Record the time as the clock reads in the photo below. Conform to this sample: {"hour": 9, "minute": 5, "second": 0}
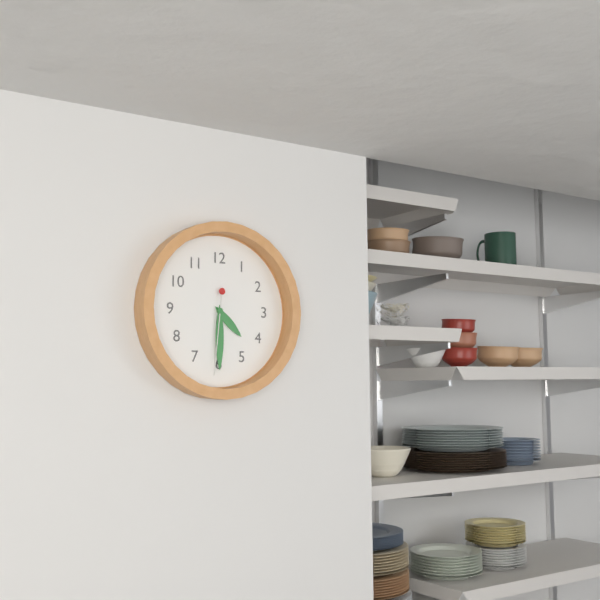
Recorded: {"hour": 4, "minute": 30, "second": 31}
